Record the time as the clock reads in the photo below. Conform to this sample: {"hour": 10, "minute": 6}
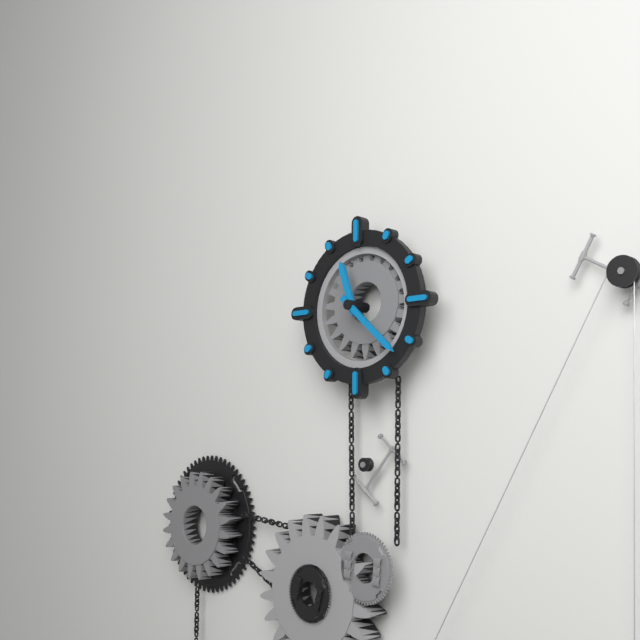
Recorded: {"hour": 11, "minute": 22}
